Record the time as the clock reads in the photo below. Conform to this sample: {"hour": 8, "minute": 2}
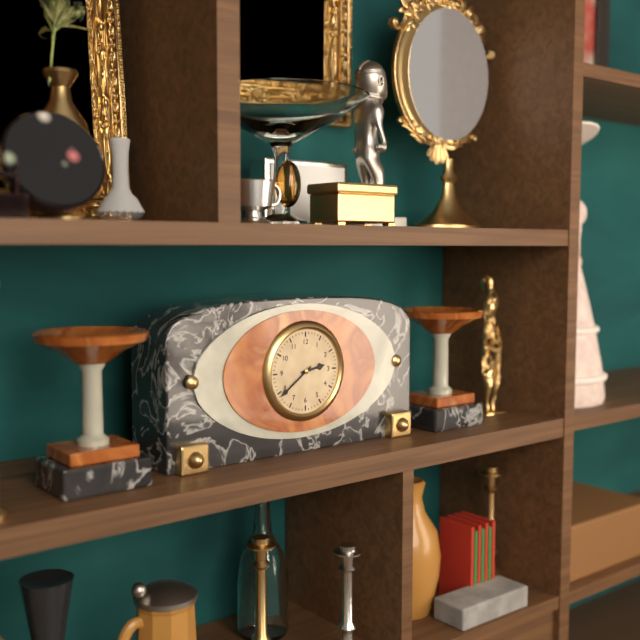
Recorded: {"hour": 2, "minute": 39}
